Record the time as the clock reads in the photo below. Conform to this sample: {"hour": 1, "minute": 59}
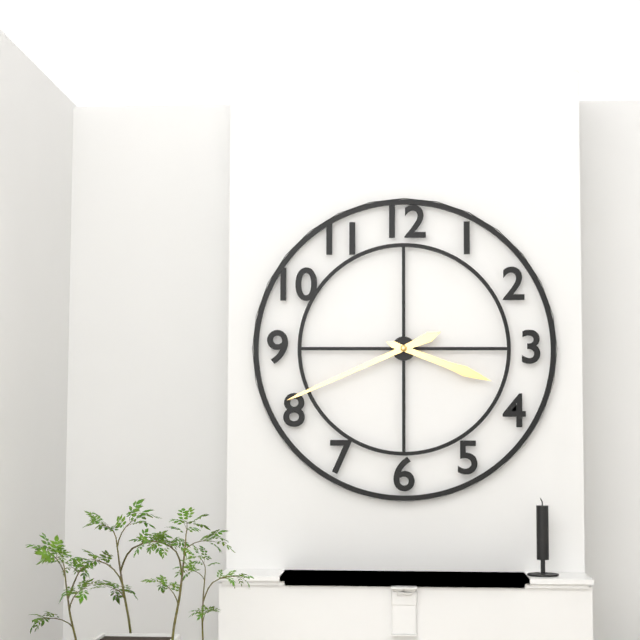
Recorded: {"hour": 3, "minute": 41}
